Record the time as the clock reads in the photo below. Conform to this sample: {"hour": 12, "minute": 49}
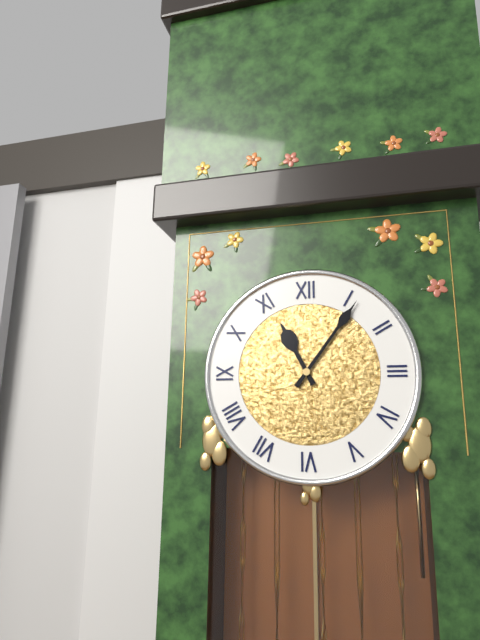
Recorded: {"hour": 11, "minute": 6}
